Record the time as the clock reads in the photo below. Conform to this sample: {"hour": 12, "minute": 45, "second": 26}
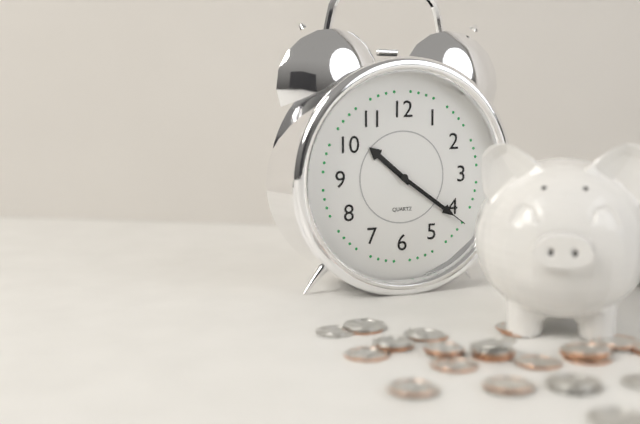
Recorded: {"hour": 10, "minute": 21, "second": 21}
